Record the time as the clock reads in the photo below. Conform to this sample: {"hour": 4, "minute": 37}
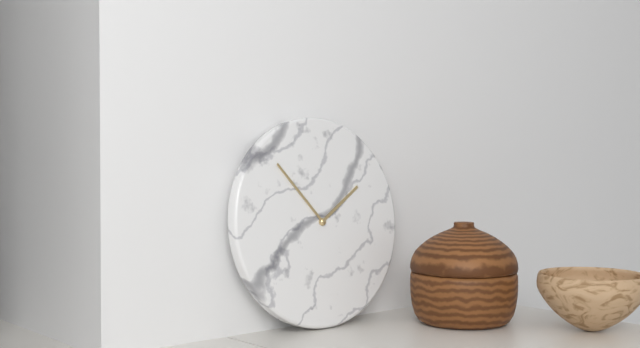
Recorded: {"hour": 1, "minute": 53}
